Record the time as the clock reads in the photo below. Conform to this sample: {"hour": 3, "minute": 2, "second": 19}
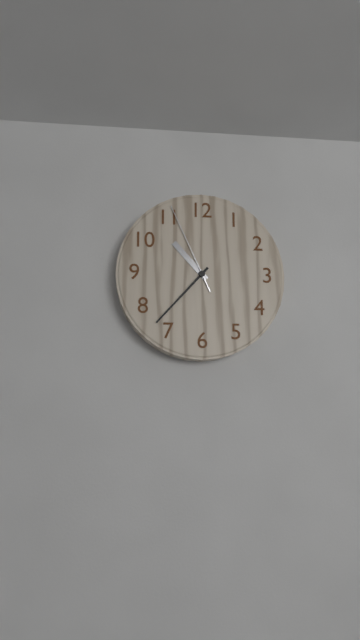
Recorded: {"hour": 10, "minute": 37, "second": 56}
